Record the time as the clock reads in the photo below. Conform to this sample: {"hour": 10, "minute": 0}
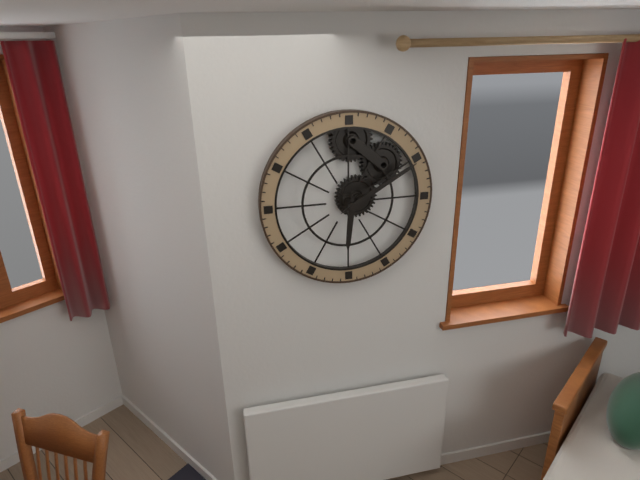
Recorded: {"hour": 6, "minute": 10}
